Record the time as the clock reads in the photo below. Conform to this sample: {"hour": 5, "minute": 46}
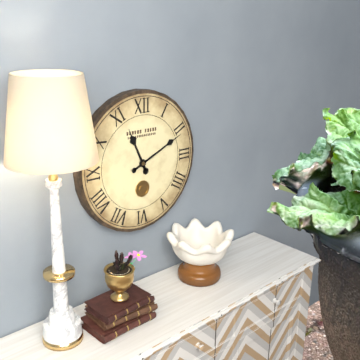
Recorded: {"hour": 11, "minute": 11}
